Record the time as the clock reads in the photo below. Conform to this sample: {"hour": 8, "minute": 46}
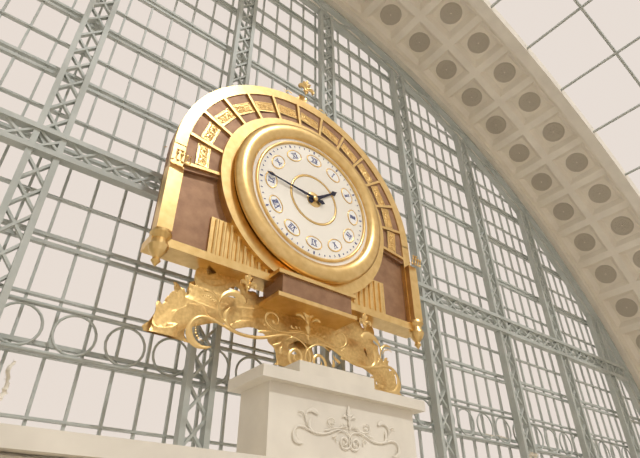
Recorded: {"hour": 1, "minute": 46}
